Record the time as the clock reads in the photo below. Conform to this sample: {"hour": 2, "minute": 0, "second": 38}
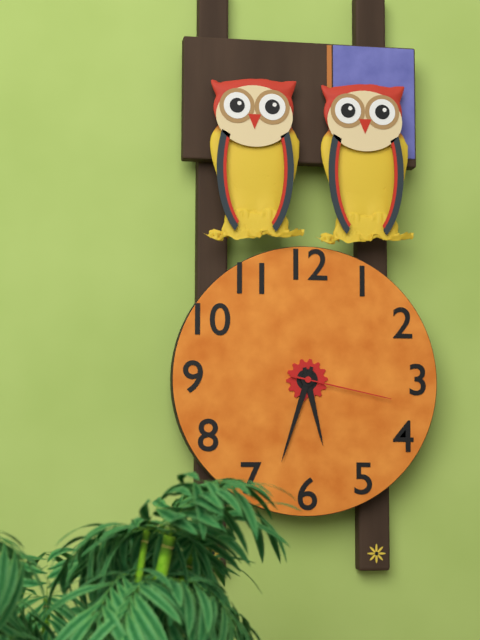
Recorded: {"hour": 5, "minute": 33, "second": 17}
